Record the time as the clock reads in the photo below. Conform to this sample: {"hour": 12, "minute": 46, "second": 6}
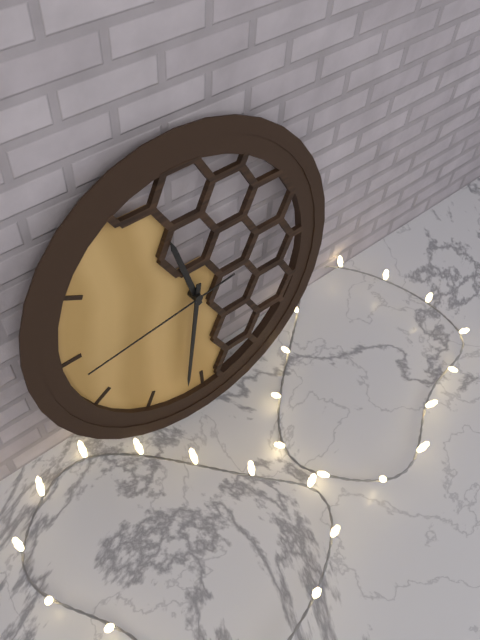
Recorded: {"hour": 11, "minute": 32, "second": 44}
